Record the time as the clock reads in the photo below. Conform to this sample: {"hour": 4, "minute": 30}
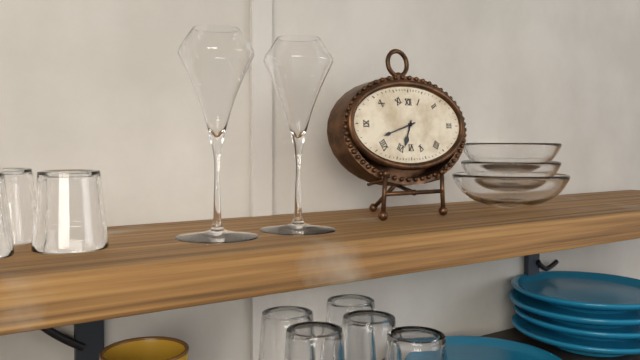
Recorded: {"hour": 6, "minute": 42}
